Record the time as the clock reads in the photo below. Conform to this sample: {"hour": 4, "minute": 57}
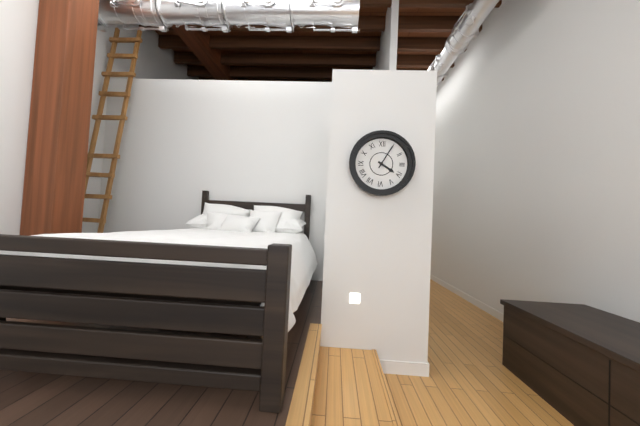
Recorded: {"hour": 4, "minute": 5}
